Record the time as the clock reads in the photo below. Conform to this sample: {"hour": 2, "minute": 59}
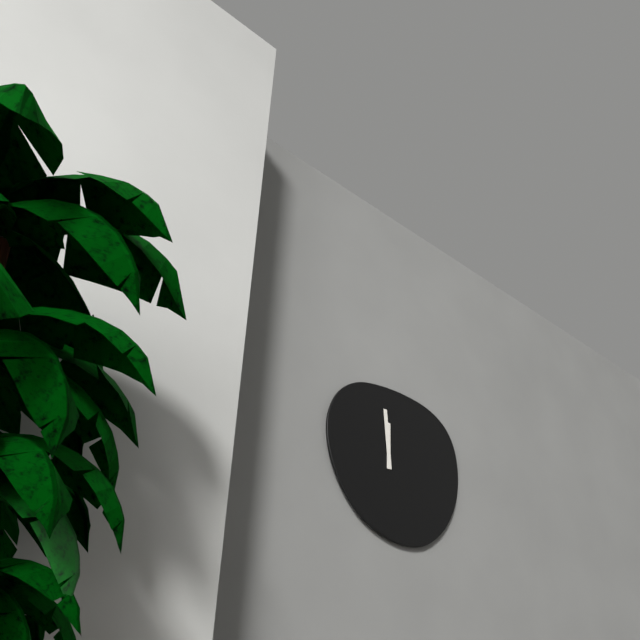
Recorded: {"hour": 11, "minute": 59}
